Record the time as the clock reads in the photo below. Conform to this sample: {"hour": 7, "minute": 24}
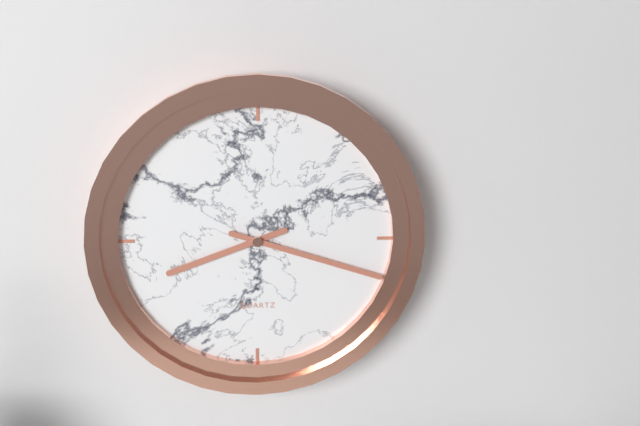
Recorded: {"hour": 8, "minute": 18}
